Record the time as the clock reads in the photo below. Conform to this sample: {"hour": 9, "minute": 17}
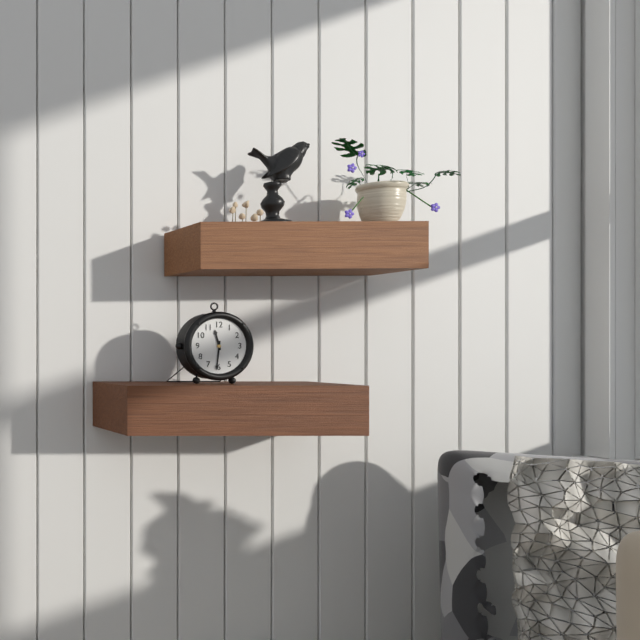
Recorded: {"hour": 11, "minute": 31}
